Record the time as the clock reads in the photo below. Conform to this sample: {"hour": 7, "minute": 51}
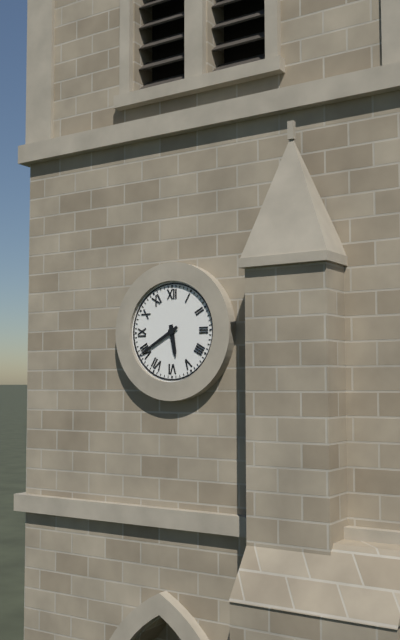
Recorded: {"hour": 5, "minute": 40}
